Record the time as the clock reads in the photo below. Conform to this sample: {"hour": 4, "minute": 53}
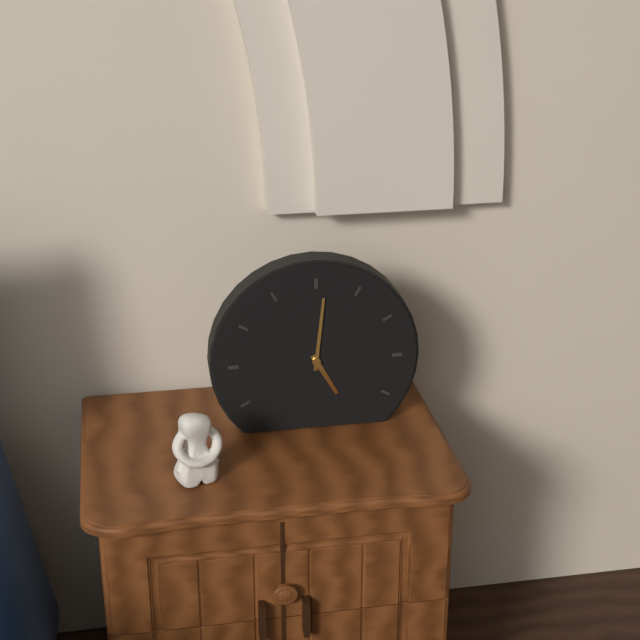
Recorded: {"hour": 5, "minute": 1}
